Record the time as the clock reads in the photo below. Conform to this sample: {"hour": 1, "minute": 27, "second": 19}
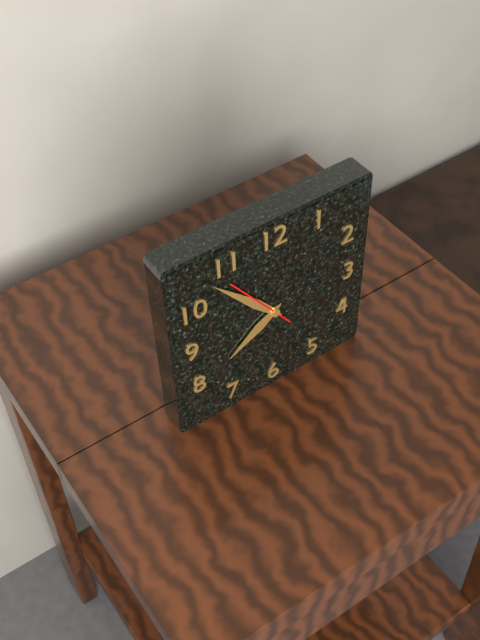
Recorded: {"hour": 7, "minute": 53, "second": 54}
